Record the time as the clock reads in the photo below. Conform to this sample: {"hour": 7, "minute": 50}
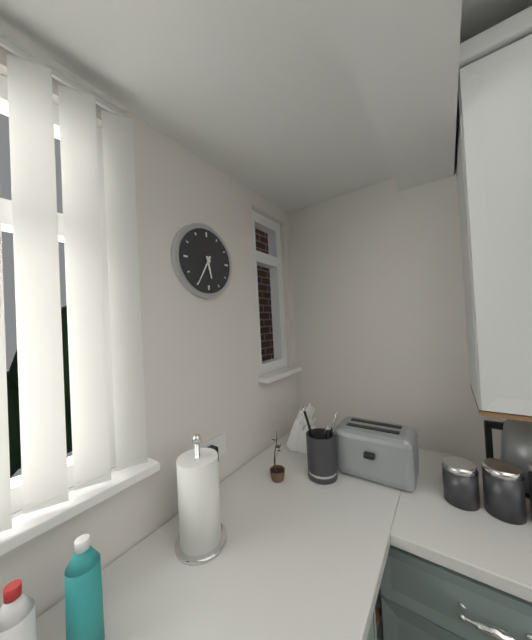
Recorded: {"hour": 5, "minute": 35}
